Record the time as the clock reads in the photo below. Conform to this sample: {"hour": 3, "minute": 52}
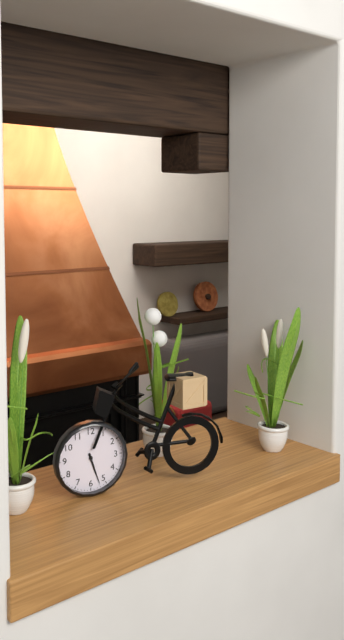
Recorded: {"hour": 5, "minute": 27}
